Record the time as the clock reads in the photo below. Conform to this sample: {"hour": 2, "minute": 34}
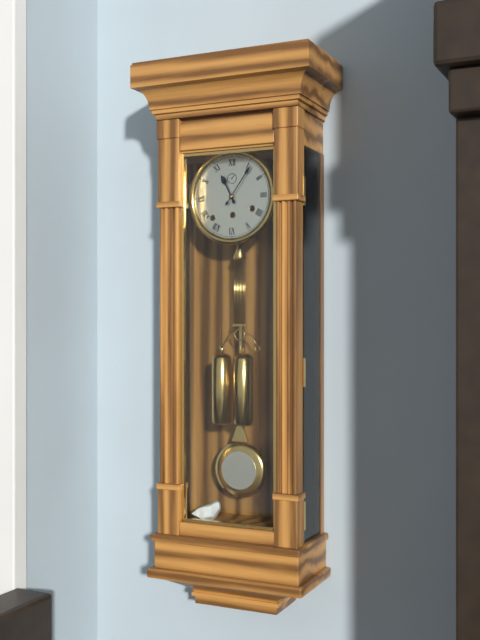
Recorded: {"hour": 11, "minute": 6}
